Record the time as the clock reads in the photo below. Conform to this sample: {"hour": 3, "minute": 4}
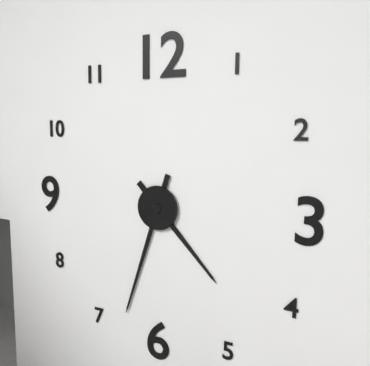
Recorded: {"hour": 4, "minute": 33}
